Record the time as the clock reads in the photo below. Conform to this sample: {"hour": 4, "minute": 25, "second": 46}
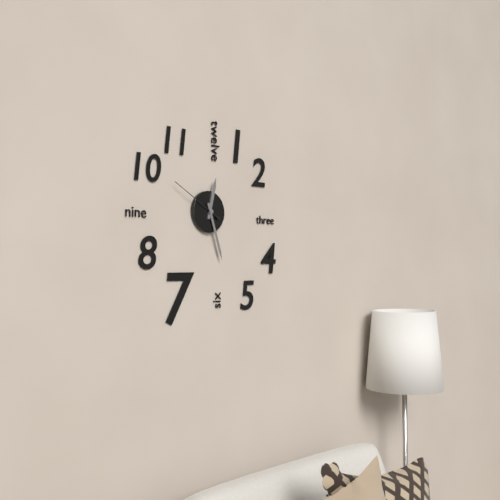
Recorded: {"hour": 12, "minute": 27, "second": 50}
